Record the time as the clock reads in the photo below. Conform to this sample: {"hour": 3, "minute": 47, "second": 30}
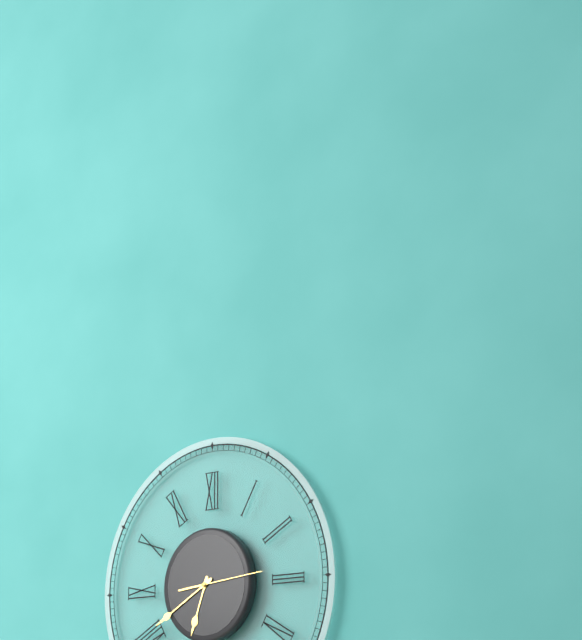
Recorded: {"hour": 6, "minute": 40, "second": 14}
